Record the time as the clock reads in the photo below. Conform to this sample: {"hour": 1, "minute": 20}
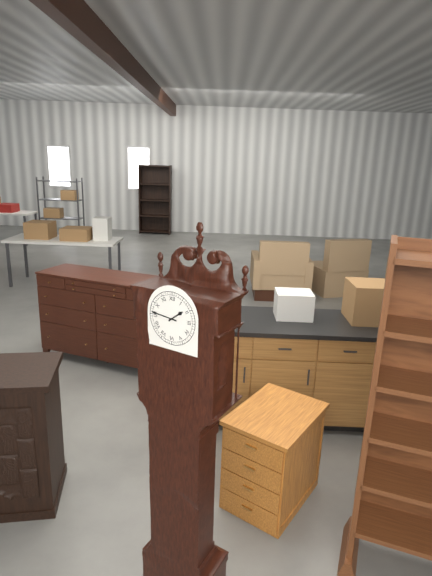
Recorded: {"hour": 1, "minute": 46}
